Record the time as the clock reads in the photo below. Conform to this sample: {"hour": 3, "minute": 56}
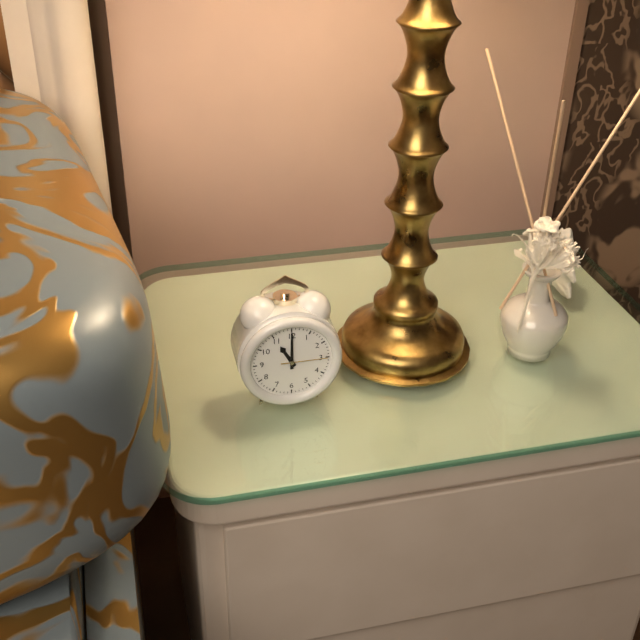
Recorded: {"hour": 11, "minute": 0}
